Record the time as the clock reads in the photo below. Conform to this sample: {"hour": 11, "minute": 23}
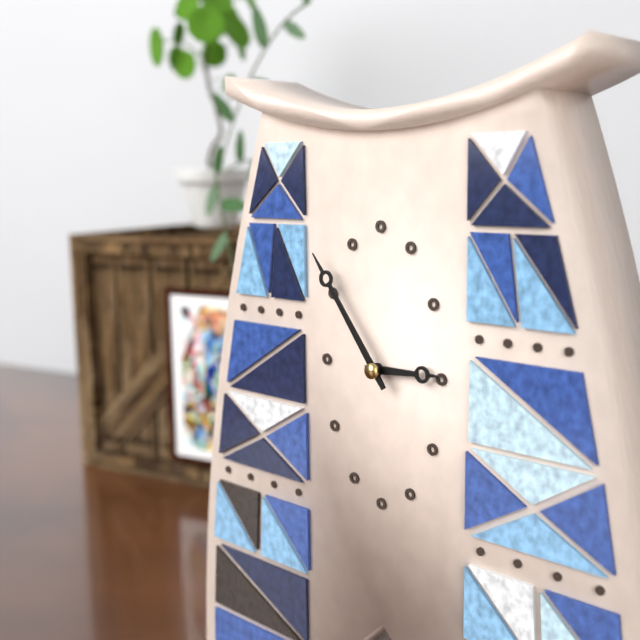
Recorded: {"hour": 2, "minute": 54}
